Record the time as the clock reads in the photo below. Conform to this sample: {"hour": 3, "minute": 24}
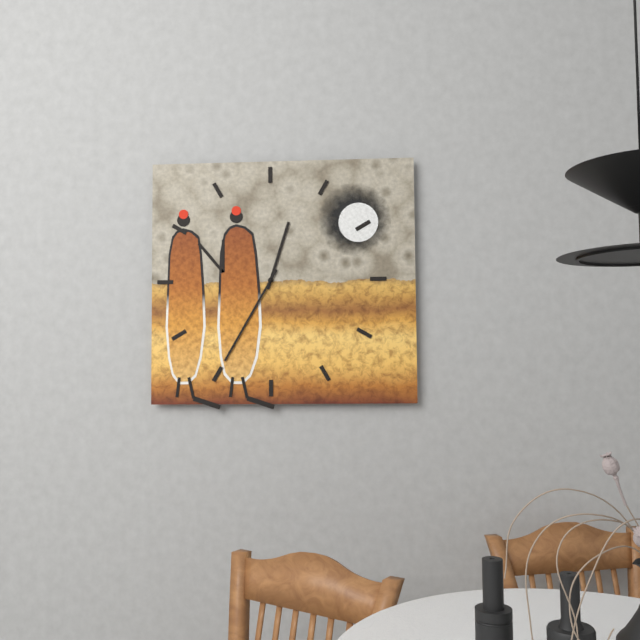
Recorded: {"hour": 12, "minute": 35}
